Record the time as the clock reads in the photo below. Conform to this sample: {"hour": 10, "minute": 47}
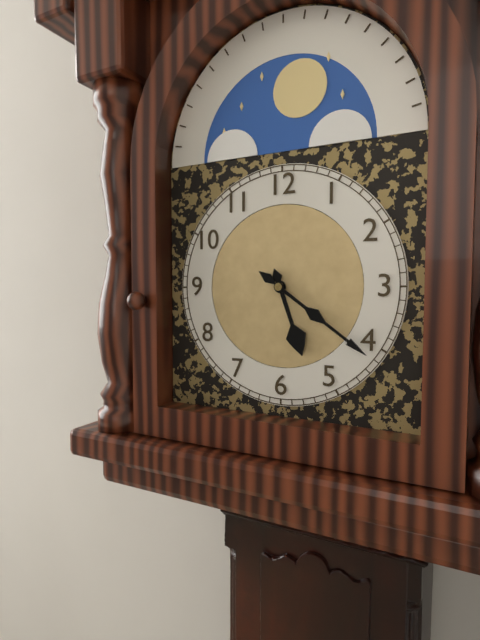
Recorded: {"hour": 5, "minute": 21}
